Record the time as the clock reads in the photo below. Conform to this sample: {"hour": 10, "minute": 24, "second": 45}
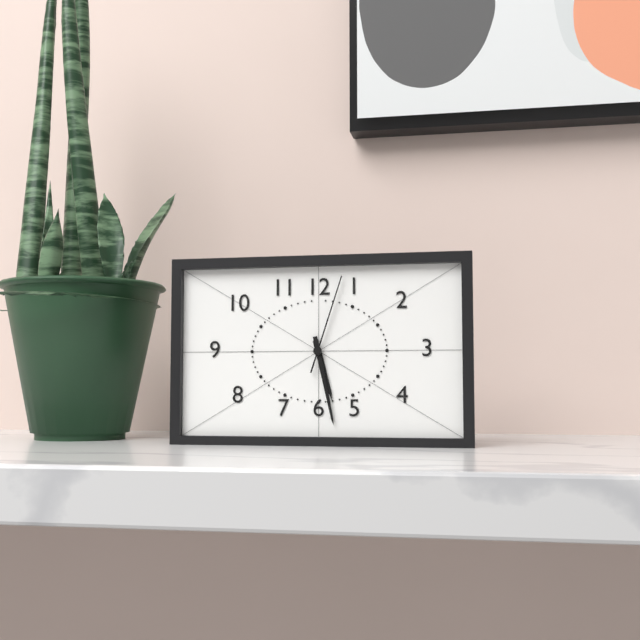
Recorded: {"hour": 5, "minute": 28, "second": 3}
